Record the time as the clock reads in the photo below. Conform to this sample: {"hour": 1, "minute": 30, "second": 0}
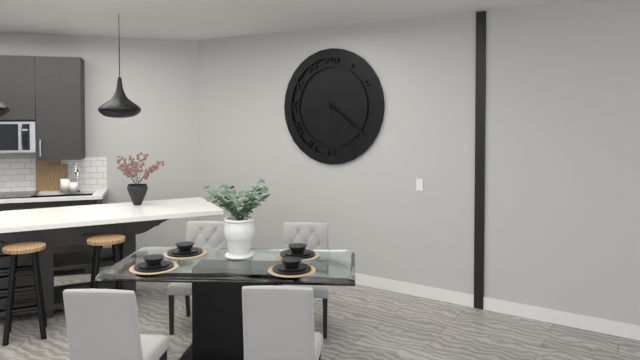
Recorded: {"hour": 4, "minute": 21, "second": 27}
